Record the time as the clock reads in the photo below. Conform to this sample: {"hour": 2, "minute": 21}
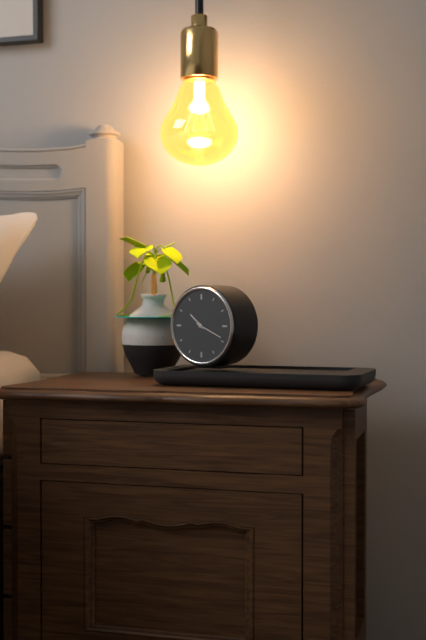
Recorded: {"hour": 10, "minute": 19}
